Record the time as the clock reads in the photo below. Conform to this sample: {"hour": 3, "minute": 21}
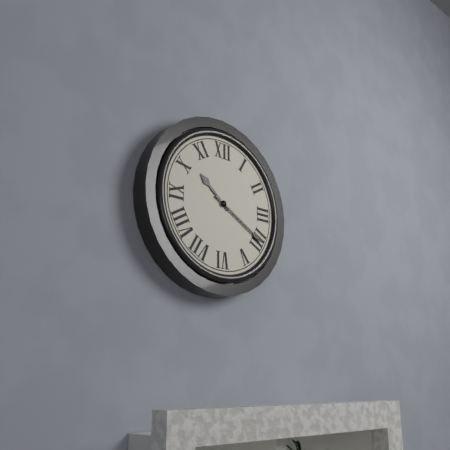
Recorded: {"hour": 10, "minute": 20}
